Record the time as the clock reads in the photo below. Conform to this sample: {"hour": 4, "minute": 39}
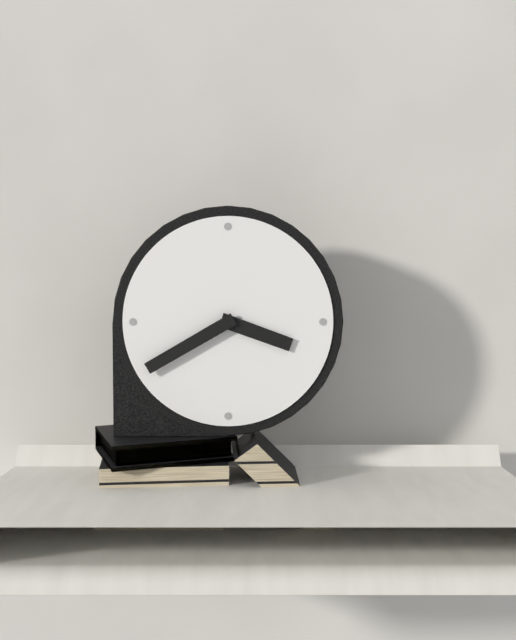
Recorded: {"hour": 3, "minute": 40}
